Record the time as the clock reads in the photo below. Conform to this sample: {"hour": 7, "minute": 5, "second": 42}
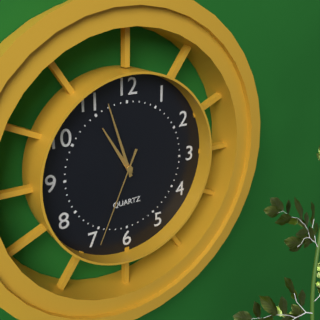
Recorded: {"hour": 10, "minute": 57, "second": 34}
